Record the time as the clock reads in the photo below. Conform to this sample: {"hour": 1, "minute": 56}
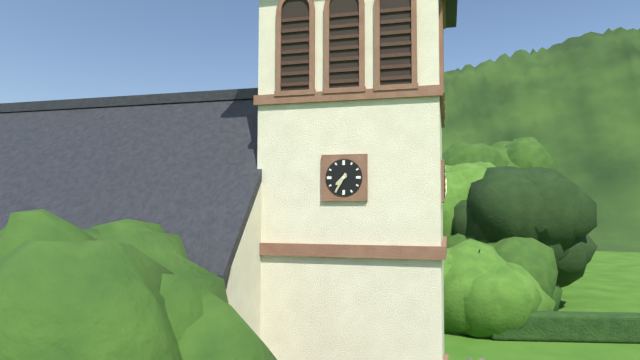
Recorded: {"hour": 7, "minute": 35}
